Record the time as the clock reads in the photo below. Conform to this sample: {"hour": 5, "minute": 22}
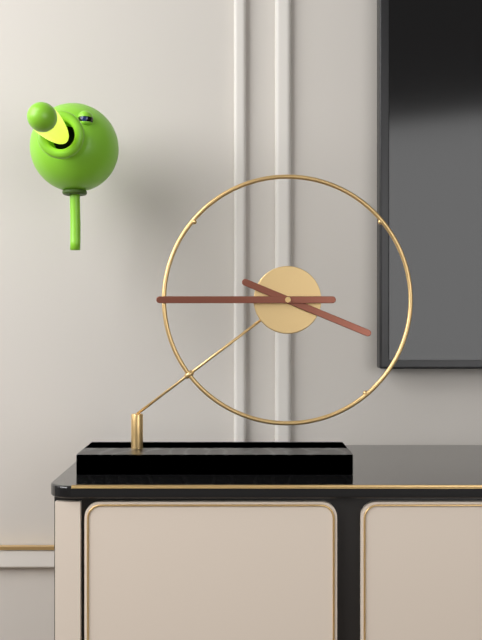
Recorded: {"hour": 3, "minute": 45}
